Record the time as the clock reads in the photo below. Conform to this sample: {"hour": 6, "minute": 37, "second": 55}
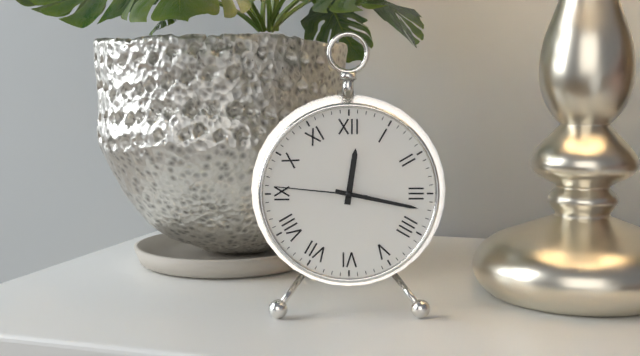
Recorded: {"hour": 12, "minute": 17, "second": 46}
